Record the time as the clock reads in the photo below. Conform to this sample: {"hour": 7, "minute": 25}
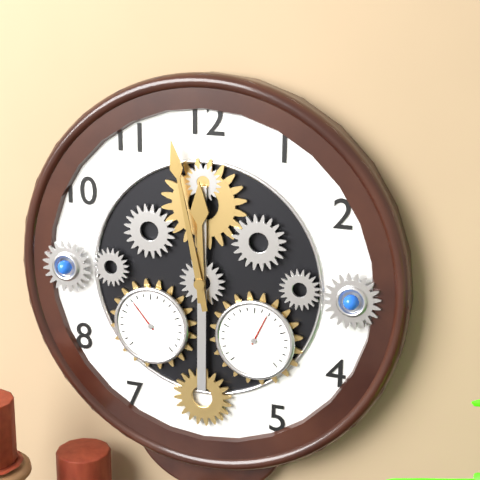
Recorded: {"hour": 11, "minute": 58}
